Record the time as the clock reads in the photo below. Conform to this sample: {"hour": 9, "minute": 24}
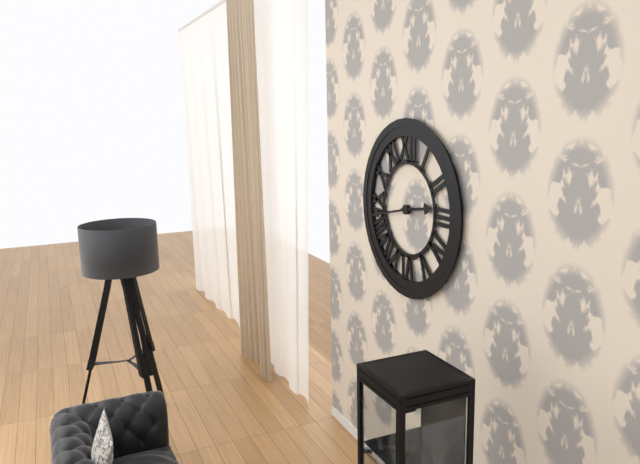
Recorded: {"hour": 2, "minute": 43}
